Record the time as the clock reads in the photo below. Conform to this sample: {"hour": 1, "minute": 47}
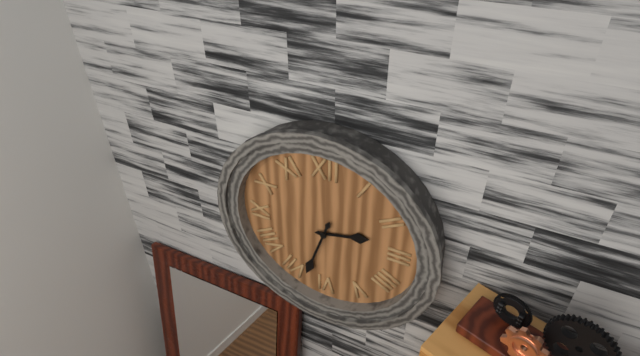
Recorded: {"hour": 2, "minute": 33}
